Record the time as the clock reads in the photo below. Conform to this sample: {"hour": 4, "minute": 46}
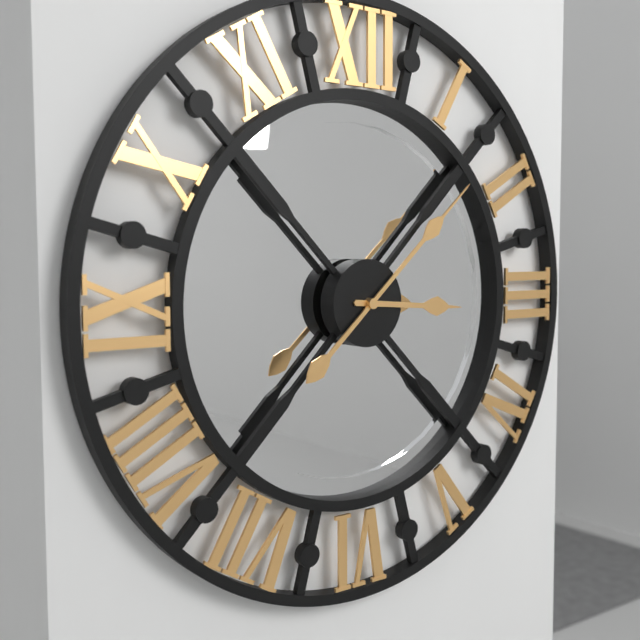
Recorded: {"hour": 3, "minute": 8}
